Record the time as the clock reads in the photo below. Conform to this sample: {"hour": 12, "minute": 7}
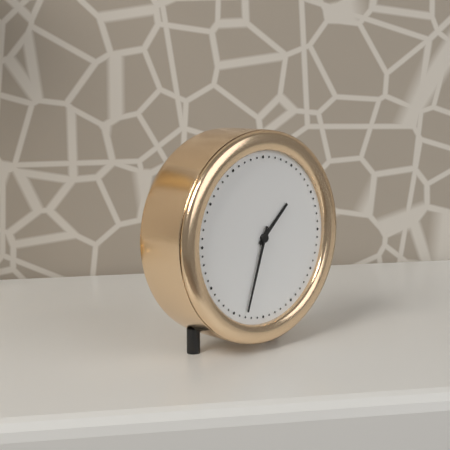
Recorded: {"hour": 1, "minute": 33}
